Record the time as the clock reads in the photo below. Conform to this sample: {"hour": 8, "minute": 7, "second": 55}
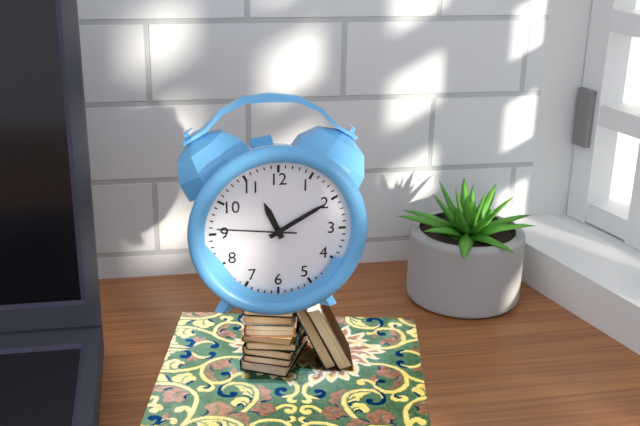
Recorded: {"hour": 11, "minute": 10, "second": 46}
